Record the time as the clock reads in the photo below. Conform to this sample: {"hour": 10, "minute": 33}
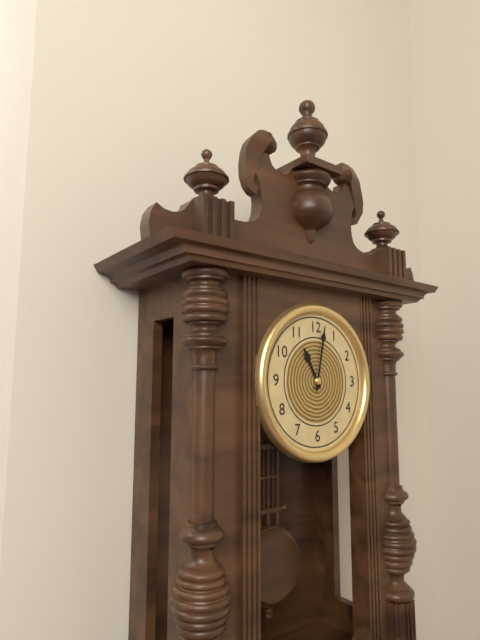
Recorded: {"hour": 11, "minute": 2}
